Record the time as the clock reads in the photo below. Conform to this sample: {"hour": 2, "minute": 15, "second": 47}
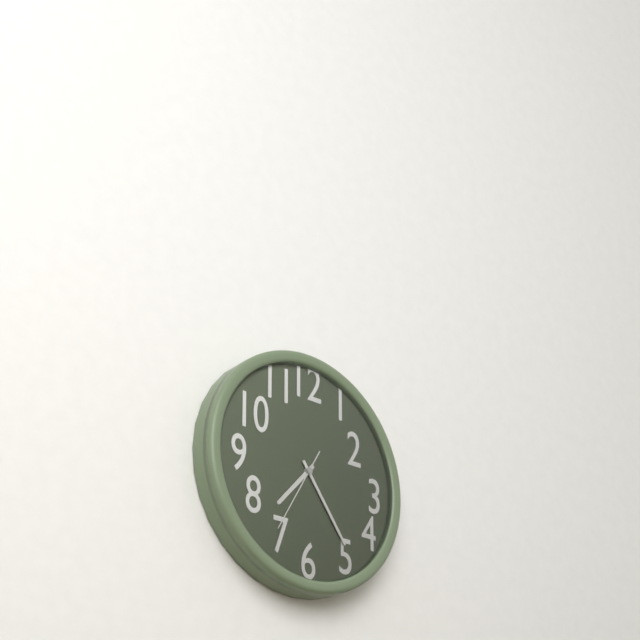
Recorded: {"hour": 7, "minute": 24, "second": 35}
